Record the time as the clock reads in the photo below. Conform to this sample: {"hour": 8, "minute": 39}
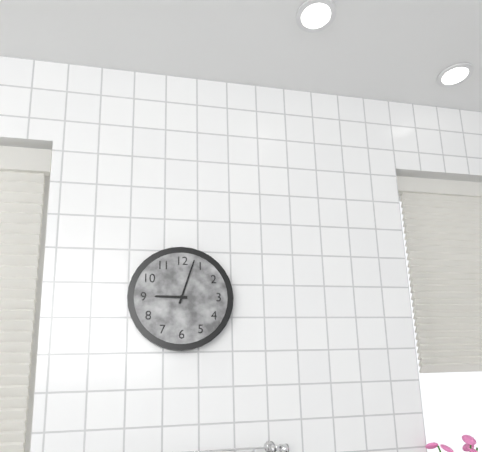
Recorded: {"hour": 9, "minute": 3}
